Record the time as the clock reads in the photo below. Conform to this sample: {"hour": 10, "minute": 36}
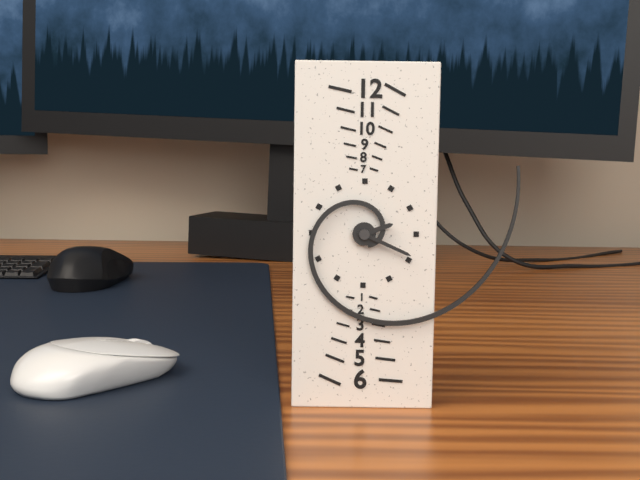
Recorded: {"hour": 2, "minute": 19}
